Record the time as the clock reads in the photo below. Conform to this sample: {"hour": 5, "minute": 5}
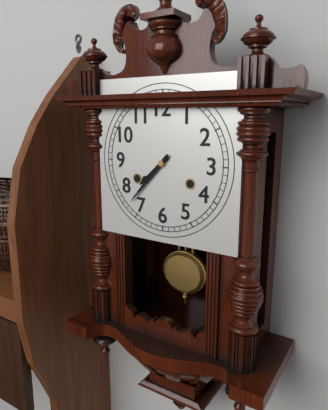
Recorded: {"hour": 7, "minute": 37}
